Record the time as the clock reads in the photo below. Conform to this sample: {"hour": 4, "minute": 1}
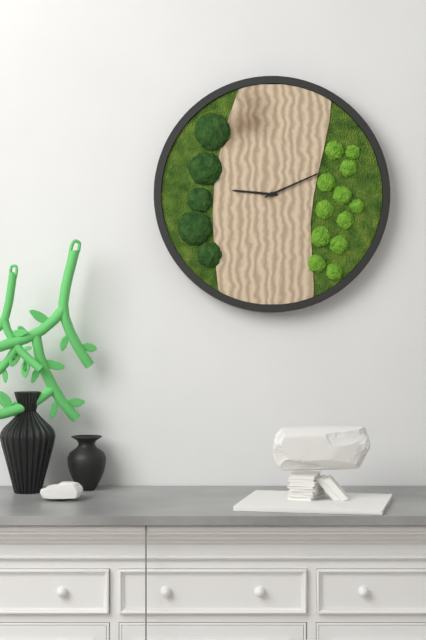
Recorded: {"hour": 9, "minute": 11}
